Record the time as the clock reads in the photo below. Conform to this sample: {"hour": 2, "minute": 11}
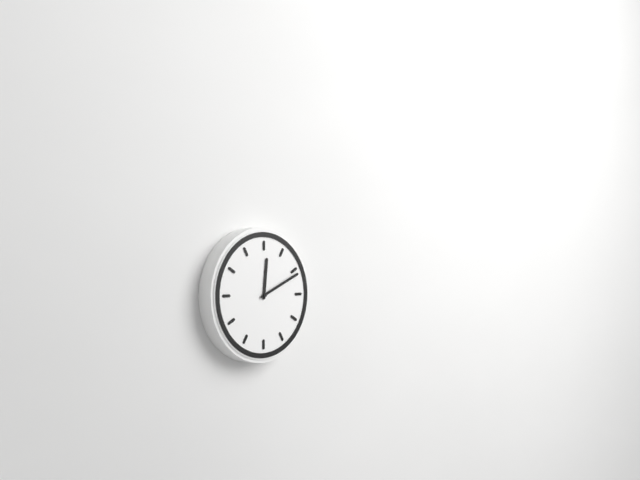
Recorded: {"hour": 12, "minute": 11}
